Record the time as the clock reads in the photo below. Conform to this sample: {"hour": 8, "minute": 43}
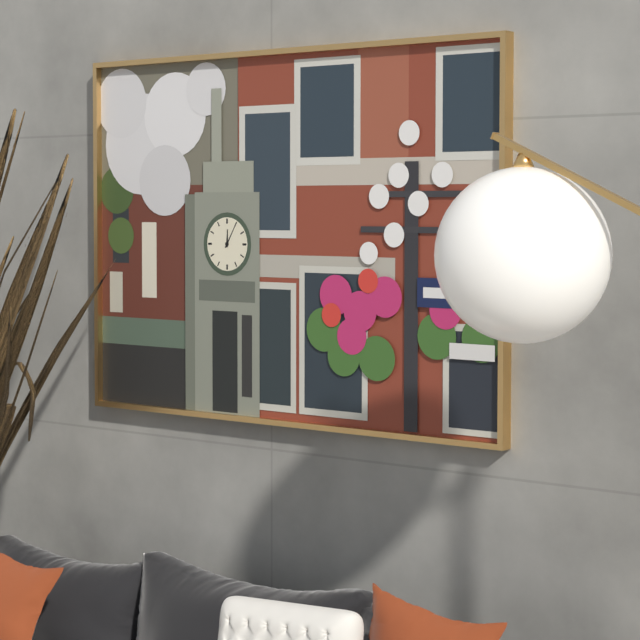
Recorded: {"hour": 12, "minute": 5}
